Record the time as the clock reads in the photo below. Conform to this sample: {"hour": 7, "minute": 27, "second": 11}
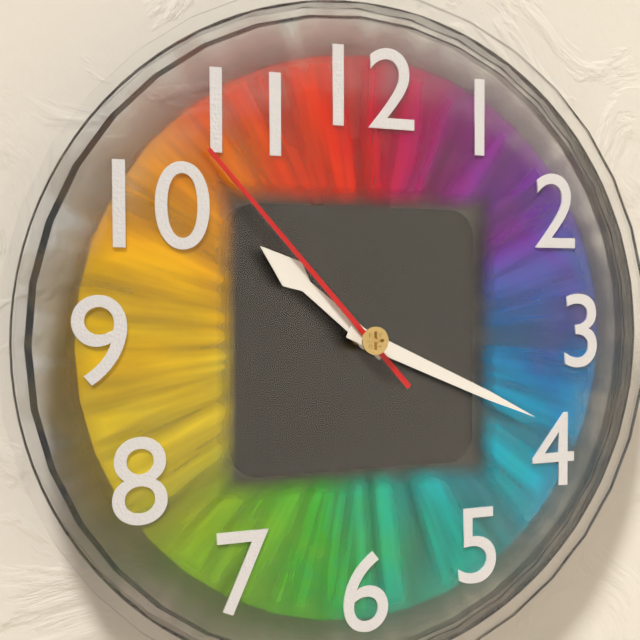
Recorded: {"hour": 10, "minute": 19, "second": 53}
